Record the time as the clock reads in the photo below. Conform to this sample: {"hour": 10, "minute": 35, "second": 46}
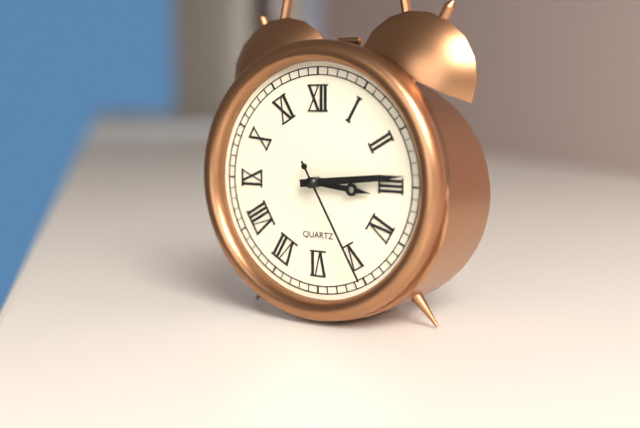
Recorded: {"hour": 3, "minute": 14, "second": 25}
